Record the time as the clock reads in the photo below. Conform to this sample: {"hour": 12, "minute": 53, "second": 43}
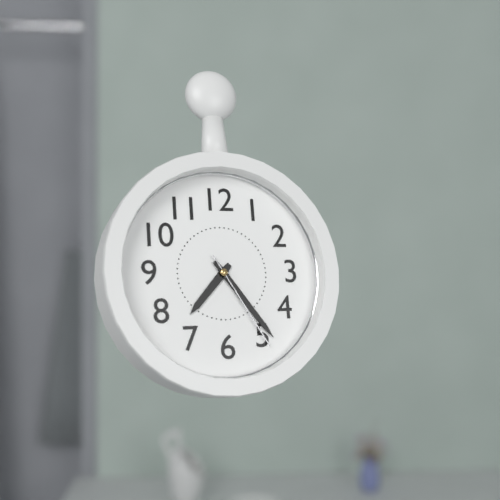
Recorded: {"hour": 7, "minute": 24, "second": 25}
